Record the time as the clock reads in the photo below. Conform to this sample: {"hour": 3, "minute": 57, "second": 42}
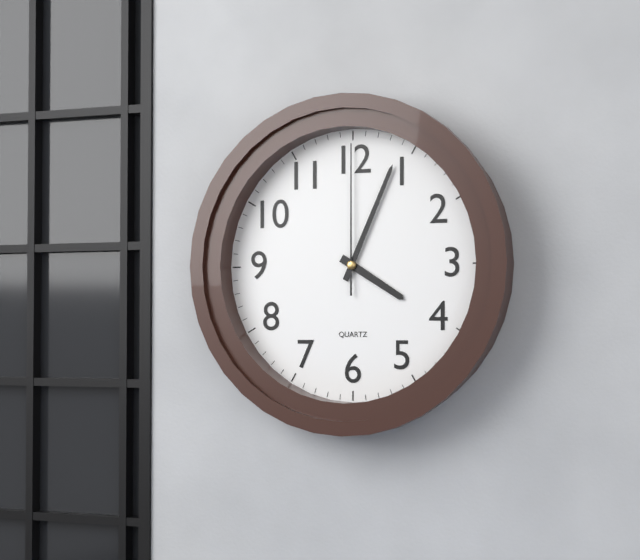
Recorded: {"hour": 4, "minute": 4, "second": 0}
